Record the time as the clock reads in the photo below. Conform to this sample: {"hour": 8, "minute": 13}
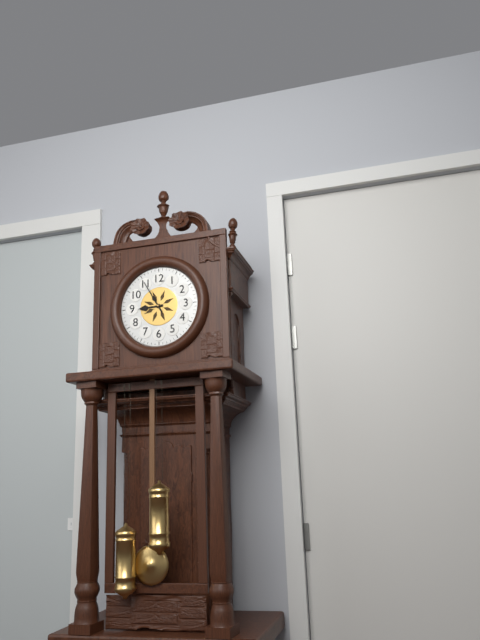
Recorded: {"hour": 8, "minute": 55}
